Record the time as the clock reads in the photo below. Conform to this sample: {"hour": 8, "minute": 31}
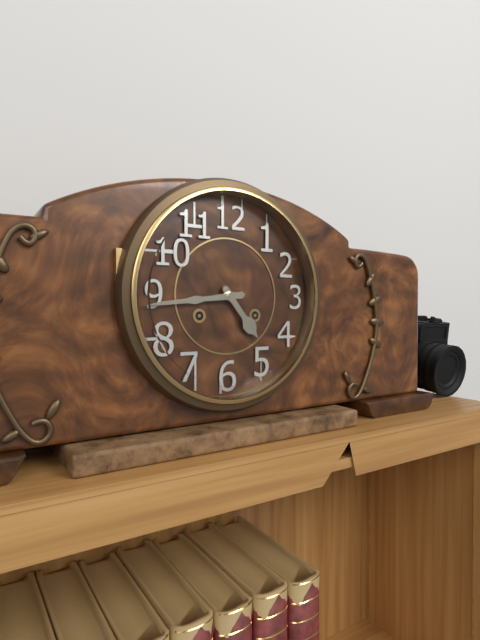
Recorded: {"hour": 4, "minute": 44}
